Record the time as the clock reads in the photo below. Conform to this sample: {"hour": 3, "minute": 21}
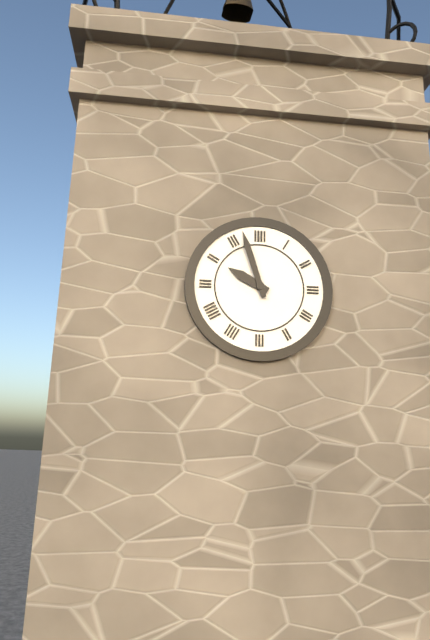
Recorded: {"hour": 9, "minute": 57}
